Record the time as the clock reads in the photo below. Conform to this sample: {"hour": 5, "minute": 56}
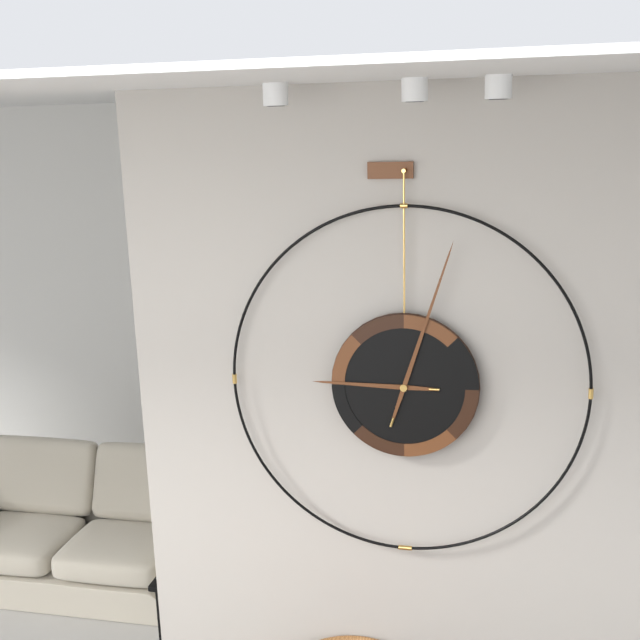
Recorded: {"hour": 9, "minute": 3}
